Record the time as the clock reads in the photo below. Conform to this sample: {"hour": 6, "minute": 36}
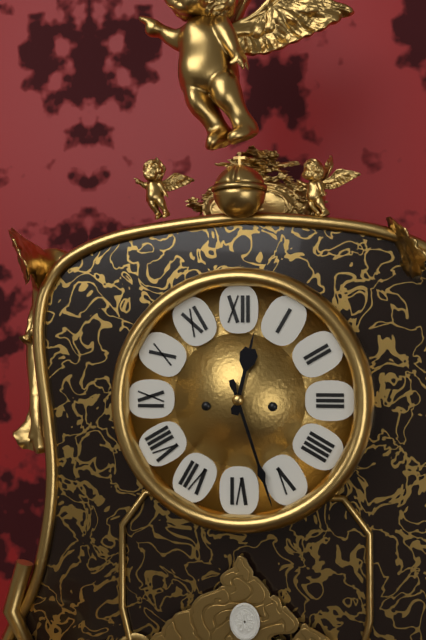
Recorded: {"hour": 12, "minute": 27}
